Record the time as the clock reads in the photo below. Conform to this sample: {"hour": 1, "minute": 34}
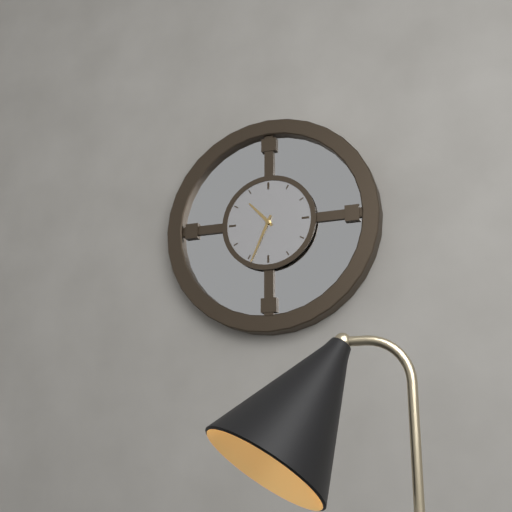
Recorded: {"hour": 10, "minute": 34}
